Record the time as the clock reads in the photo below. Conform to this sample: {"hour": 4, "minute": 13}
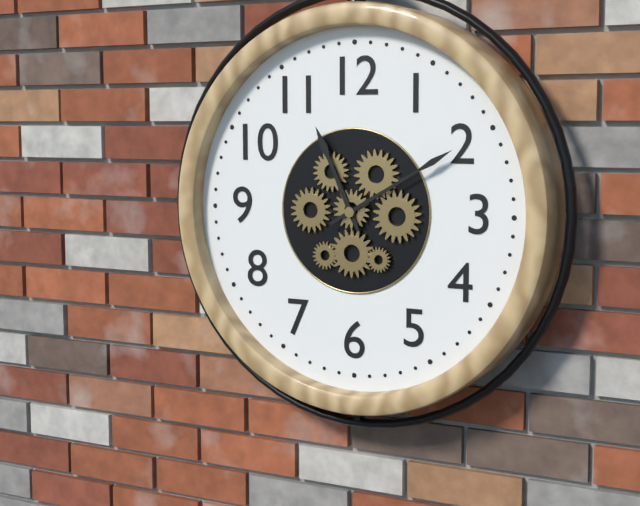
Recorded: {"hour": 11, "minute": 10}
